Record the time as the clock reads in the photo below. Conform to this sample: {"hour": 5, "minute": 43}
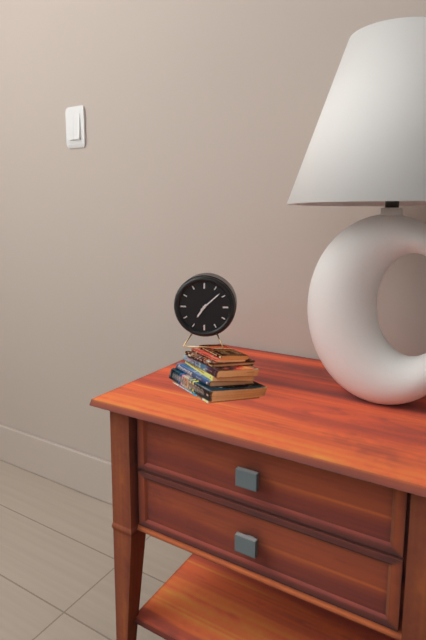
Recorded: {"hour": 7, "minute": 8}
